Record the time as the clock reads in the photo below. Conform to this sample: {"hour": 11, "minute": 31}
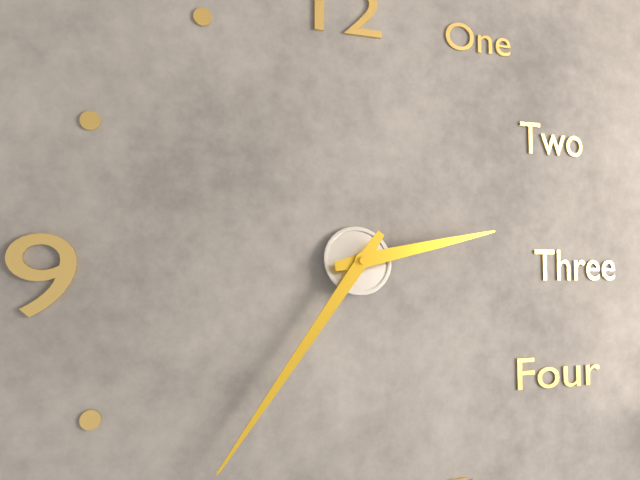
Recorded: {"hour": 2, "minute": 36}
